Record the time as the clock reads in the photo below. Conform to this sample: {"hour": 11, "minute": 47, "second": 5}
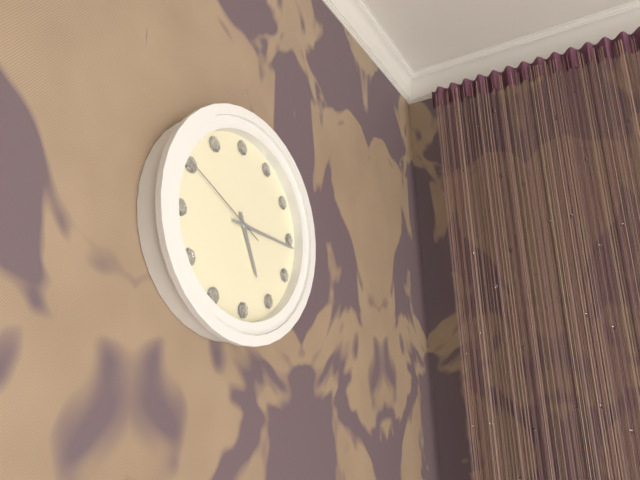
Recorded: {"hour": 5, "minute": 16, "second": 50}
